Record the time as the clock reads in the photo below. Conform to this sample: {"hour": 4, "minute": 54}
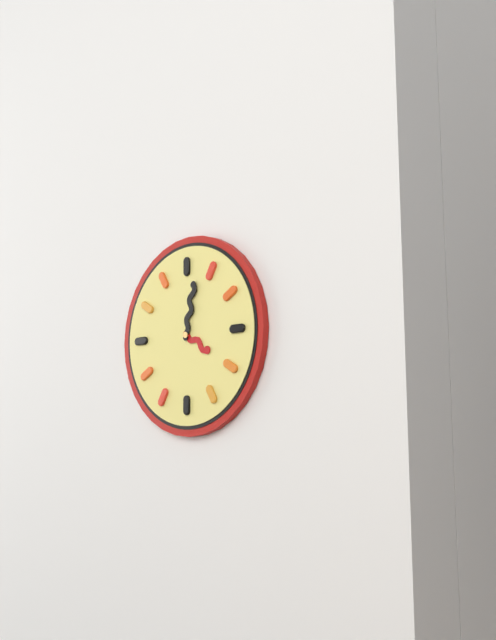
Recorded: {"hour": 4, "minute": 2}
